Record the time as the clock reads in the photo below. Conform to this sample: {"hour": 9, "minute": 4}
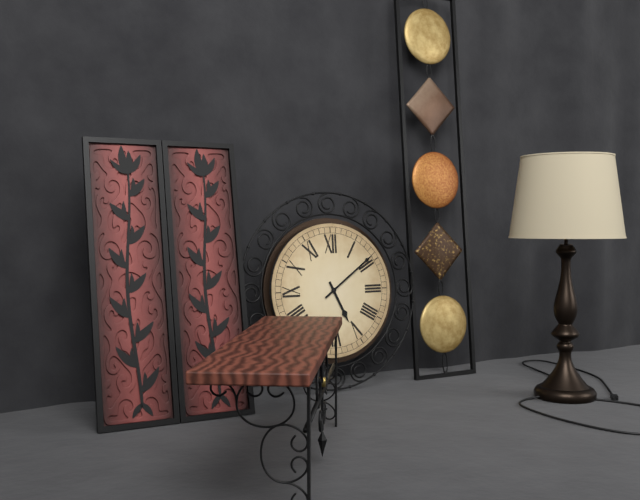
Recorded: {"hour": 5, "minute": 9}
